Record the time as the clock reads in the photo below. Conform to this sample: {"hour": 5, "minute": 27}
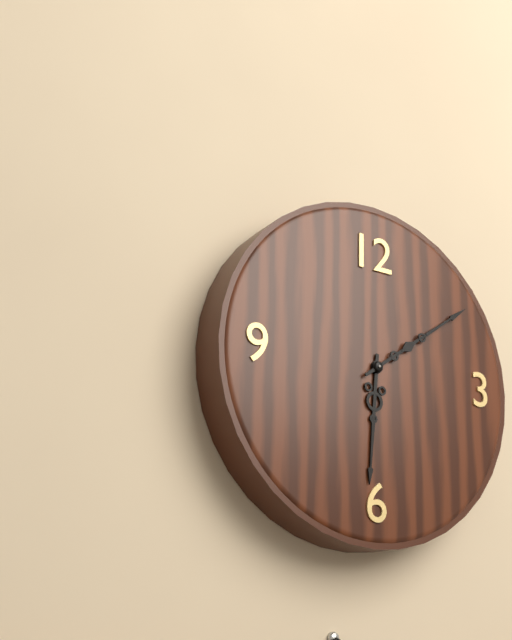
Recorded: {"hour": 6, "minute": 9}
